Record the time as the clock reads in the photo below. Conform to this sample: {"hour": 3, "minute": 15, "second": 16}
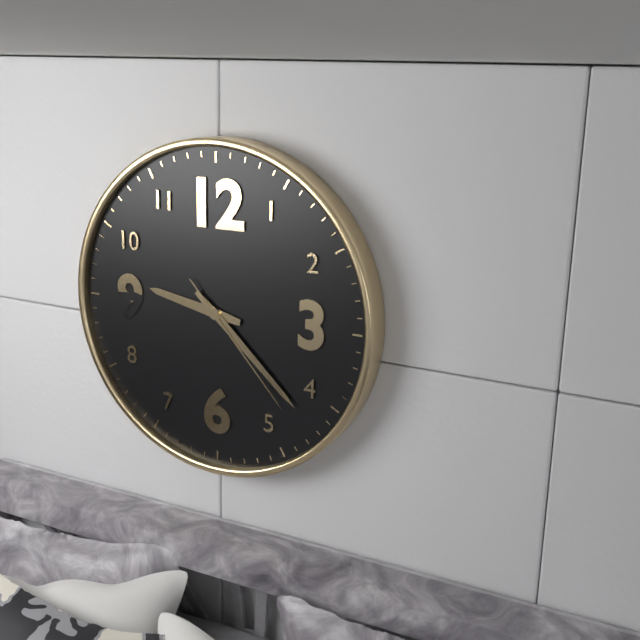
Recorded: {"hour": 9, "minute": 22, "second": 23}
